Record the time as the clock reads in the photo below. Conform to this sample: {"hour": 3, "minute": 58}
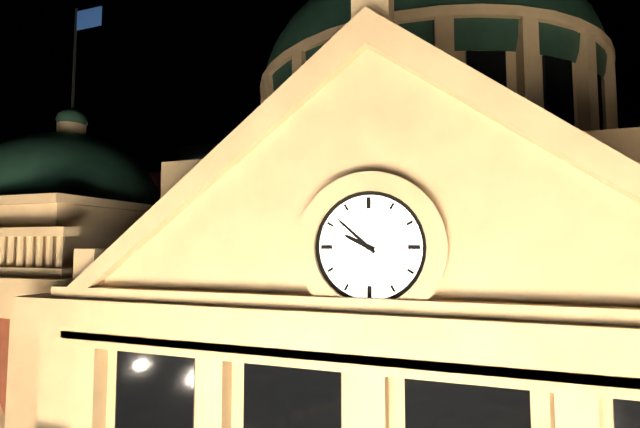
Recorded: {"hour": 9, "minute": 52}
